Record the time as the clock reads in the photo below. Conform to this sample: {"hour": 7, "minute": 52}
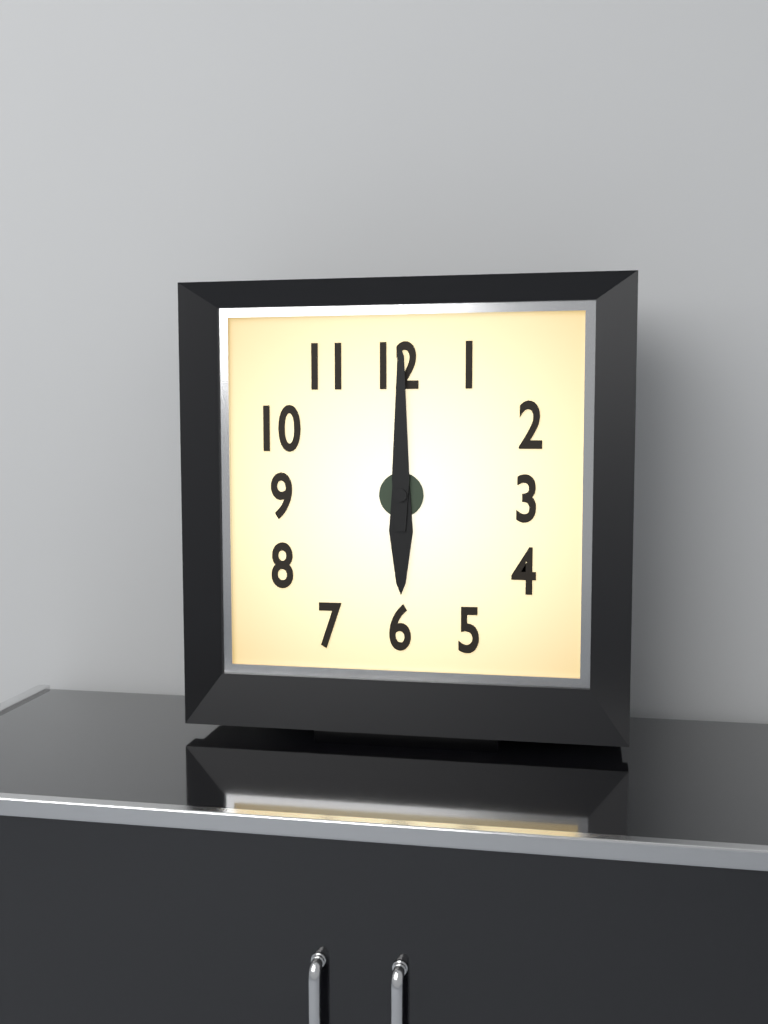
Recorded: {"hour": 6, "minute": 0}
